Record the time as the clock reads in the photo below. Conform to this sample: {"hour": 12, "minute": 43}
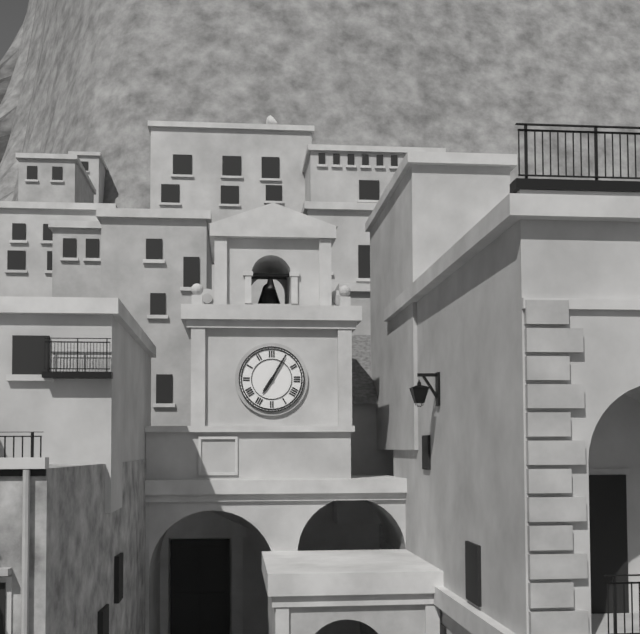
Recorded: {"hour": 7, "minute": 5}
